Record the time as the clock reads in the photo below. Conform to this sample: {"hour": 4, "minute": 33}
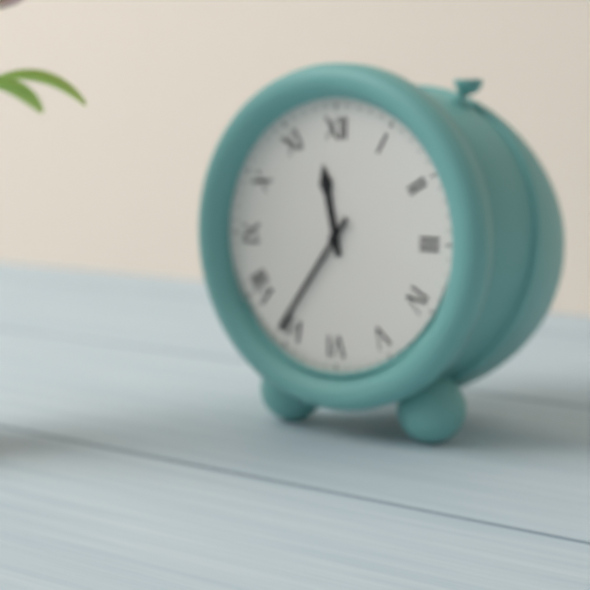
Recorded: {"hour": 11, "minute": 36}
